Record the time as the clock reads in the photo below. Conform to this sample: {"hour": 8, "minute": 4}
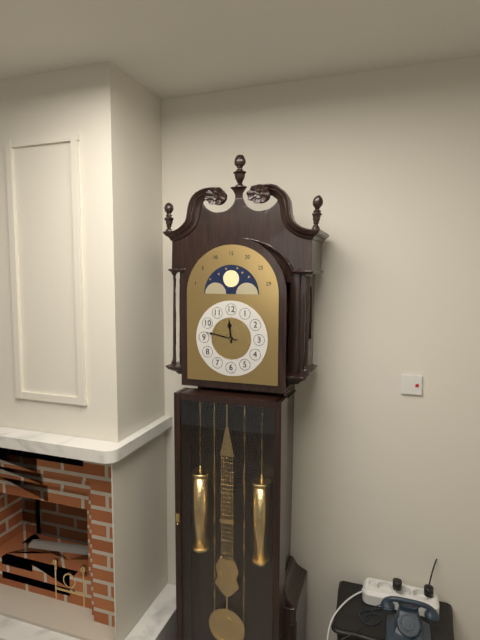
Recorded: {"hour": 11, "minute": 47}
